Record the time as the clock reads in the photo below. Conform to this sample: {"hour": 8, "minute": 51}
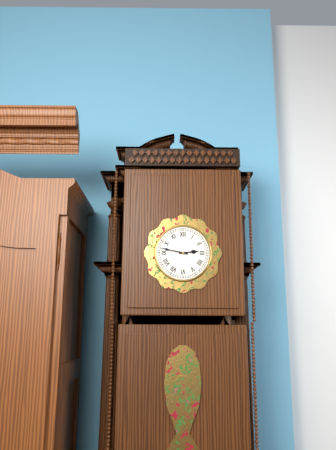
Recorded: {"hour": 2, "minute": 47}
